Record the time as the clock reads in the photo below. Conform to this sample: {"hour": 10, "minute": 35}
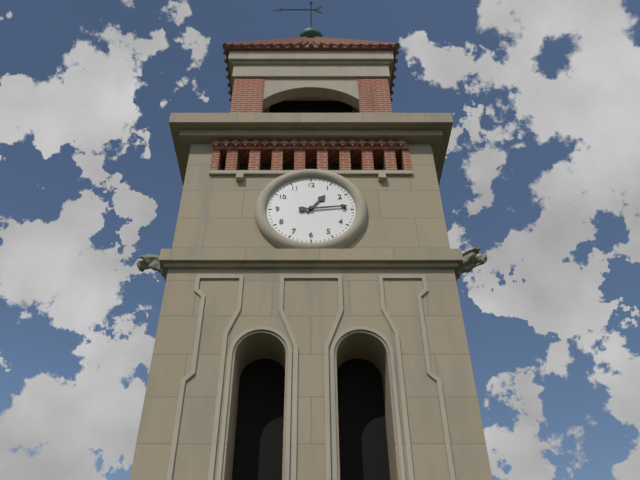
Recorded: {"hour": 1, "minute": 14}
